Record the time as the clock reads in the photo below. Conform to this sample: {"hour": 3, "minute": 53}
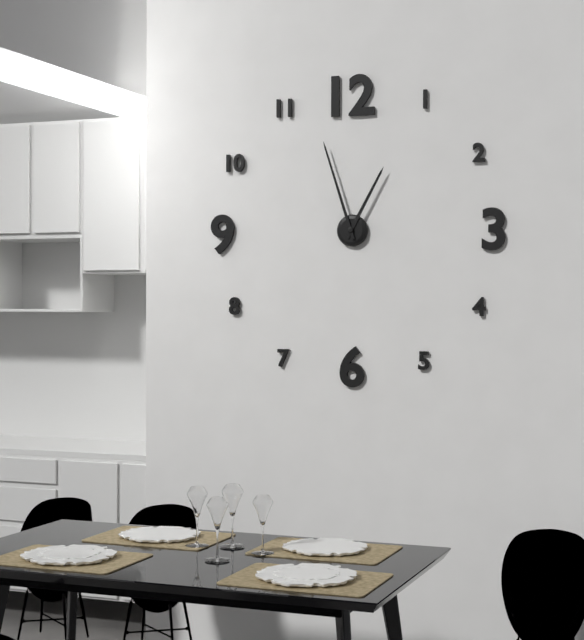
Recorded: {"hour": 12, "minute": 57}
